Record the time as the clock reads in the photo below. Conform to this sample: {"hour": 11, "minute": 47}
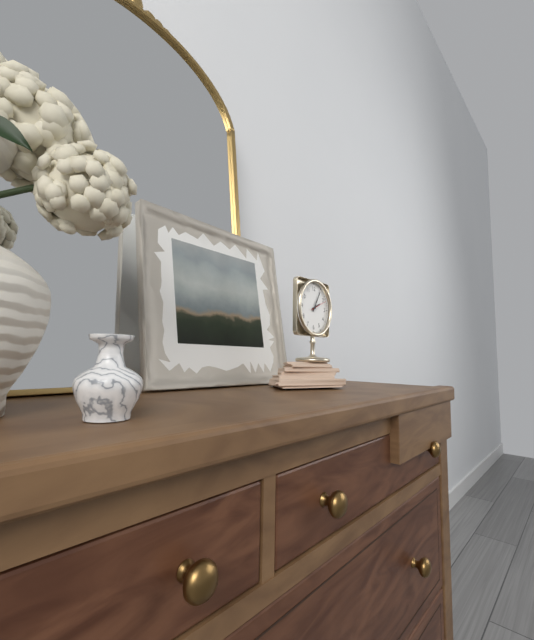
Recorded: {"hour": 2, "minute": 5}
